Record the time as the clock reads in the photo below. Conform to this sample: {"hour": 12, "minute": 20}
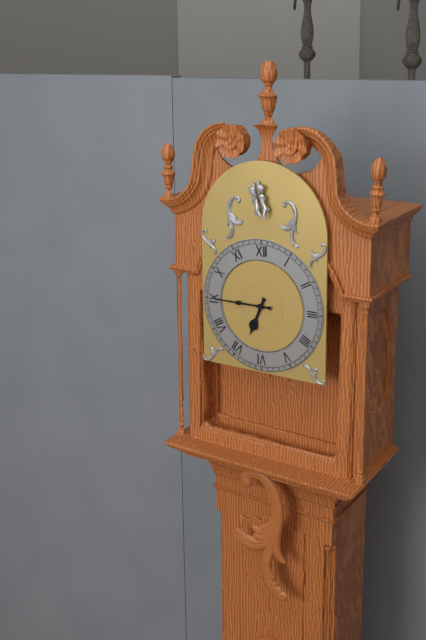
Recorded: {"hour": 6, "minute": 45}
